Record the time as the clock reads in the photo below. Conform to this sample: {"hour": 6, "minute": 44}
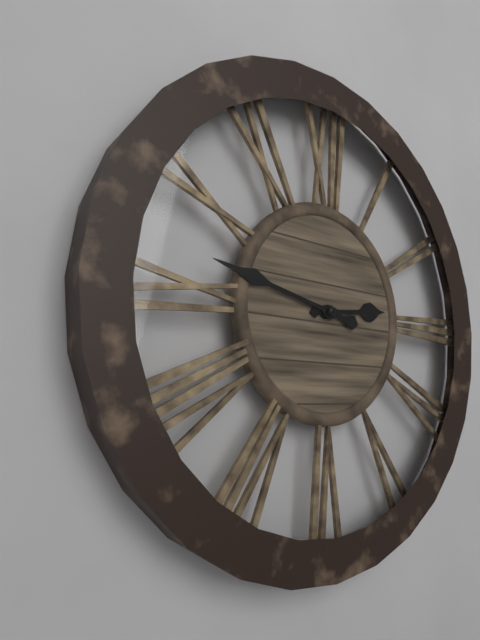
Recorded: {"hour": 2, "minute": 47}
